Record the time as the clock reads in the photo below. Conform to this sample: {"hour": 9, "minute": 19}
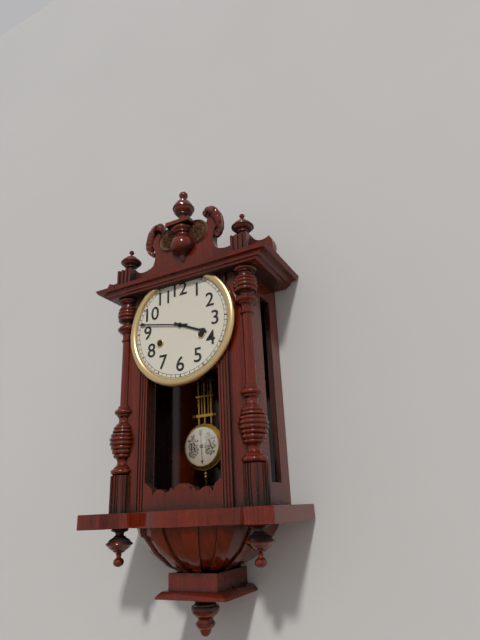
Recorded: {"hour": 3, "minute": 47}
